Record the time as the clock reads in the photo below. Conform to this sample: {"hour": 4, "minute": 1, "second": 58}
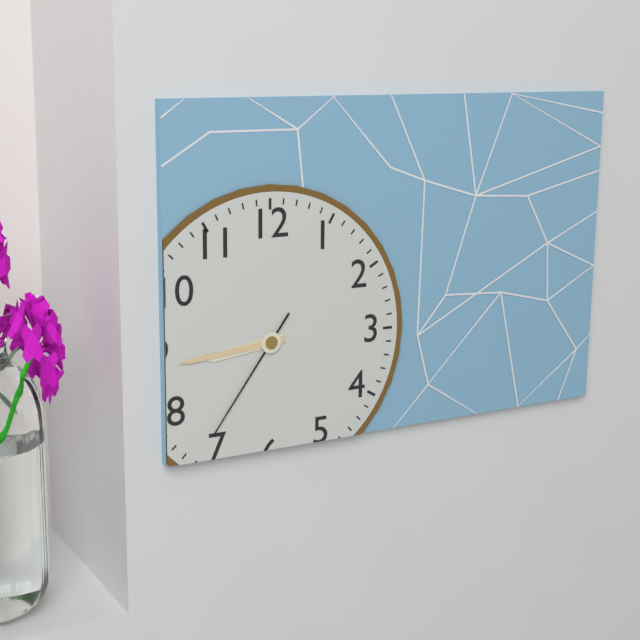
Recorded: {"hour": 8, "minute": 44, "second": 36}
